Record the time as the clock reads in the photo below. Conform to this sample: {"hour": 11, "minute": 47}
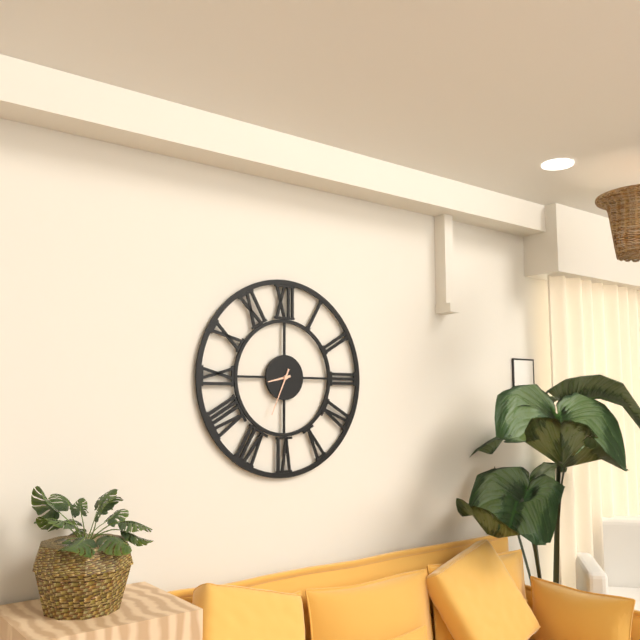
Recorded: {"hour": 8, "minute": 34}
